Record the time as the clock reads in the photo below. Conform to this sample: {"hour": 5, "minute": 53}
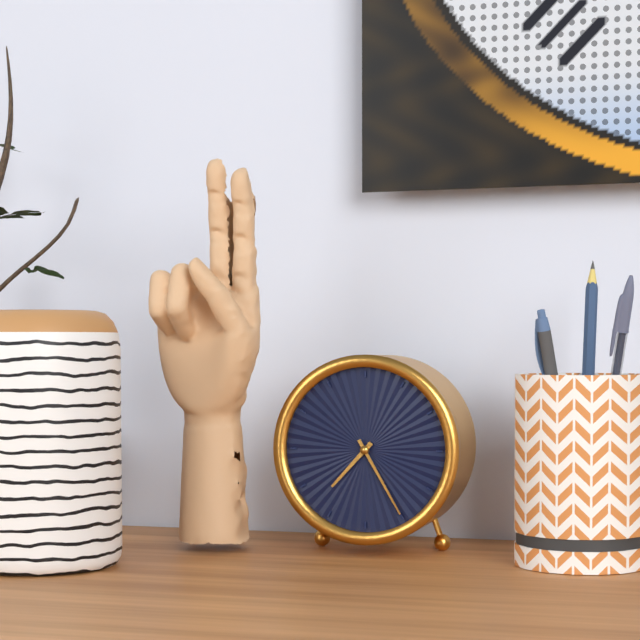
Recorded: {"hour": 7, "minute": 25}
